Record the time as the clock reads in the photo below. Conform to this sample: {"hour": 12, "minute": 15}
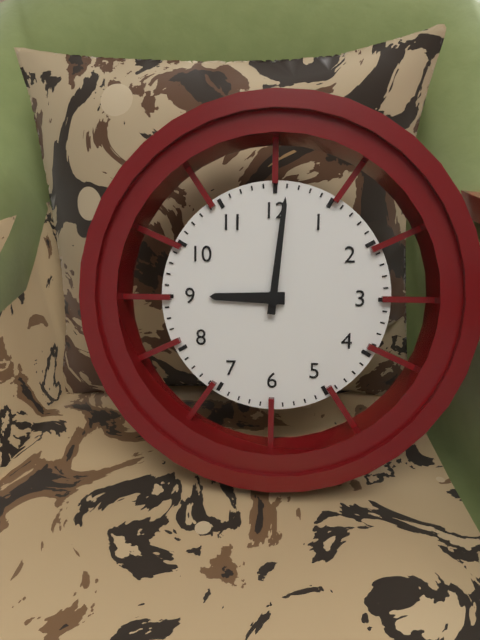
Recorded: {"hour": 9, "minute": 1}
